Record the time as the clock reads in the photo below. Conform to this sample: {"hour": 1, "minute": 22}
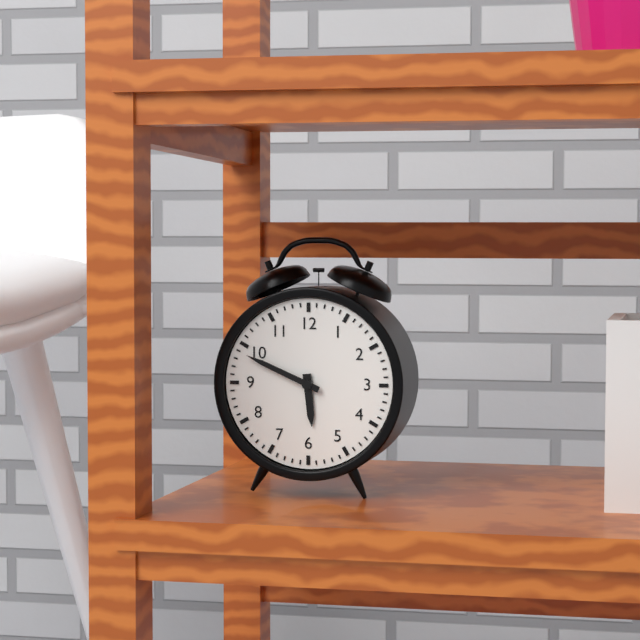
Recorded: {"hour": 5, "minute": 49}
